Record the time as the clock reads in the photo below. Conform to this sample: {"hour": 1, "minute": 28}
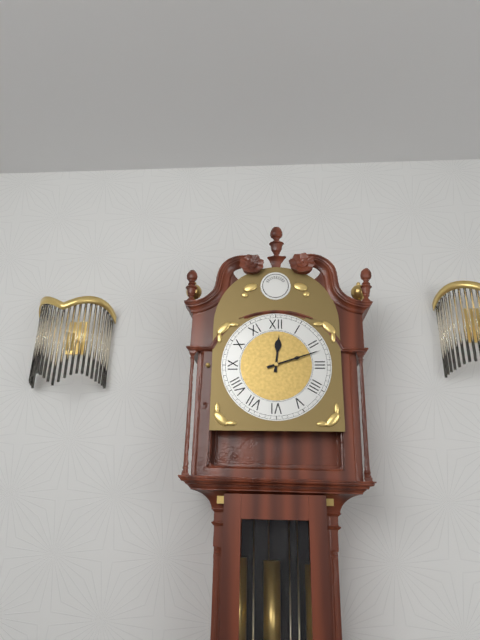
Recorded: {"hour": 12, "minute": 12}
